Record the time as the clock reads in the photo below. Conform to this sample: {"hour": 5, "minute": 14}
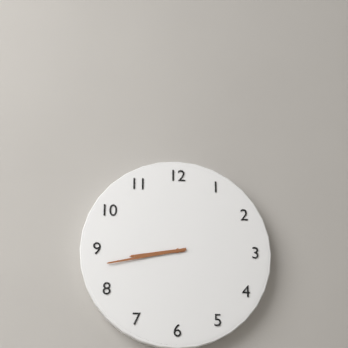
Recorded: {"hour": 8, "minute": 43}
